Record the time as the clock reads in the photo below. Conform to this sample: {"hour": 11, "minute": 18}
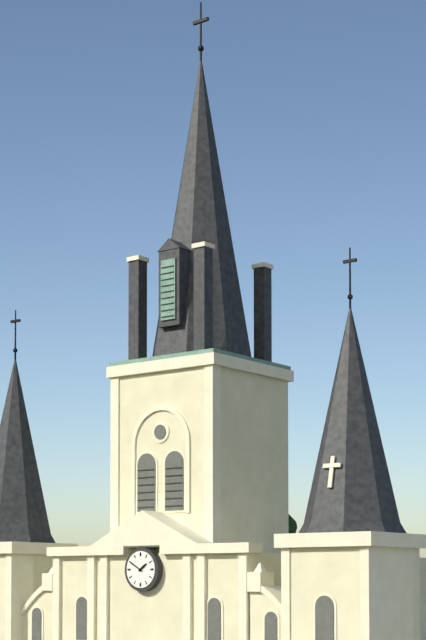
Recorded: {"hour": 1, "minute": 50}
